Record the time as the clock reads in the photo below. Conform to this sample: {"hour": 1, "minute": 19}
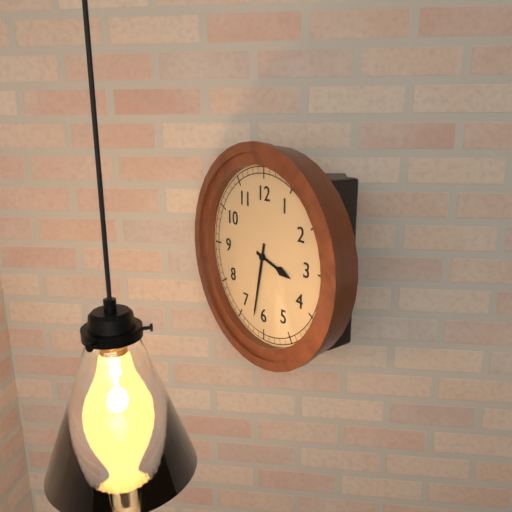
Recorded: {"hour": 3, "minute": 32}
